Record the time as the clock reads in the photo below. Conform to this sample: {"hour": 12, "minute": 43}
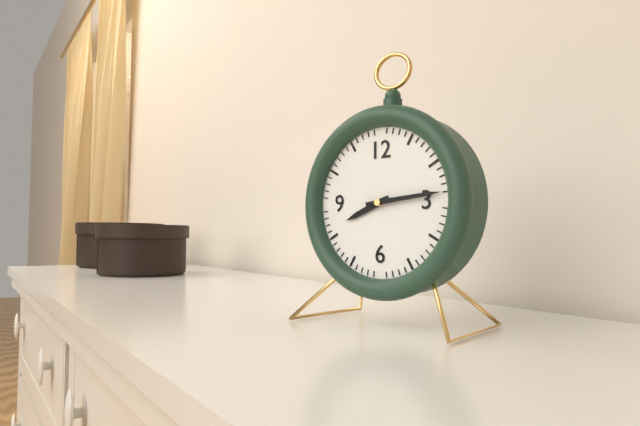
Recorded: {"hour": 8, "minute": 14}
